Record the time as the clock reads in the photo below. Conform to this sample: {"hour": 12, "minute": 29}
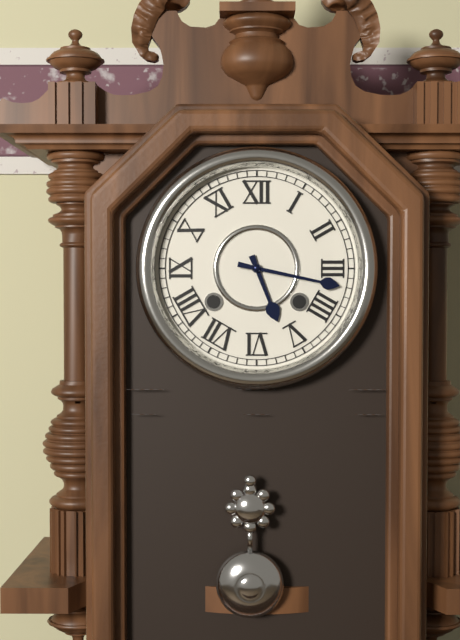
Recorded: {"hour": 5, "minute": 17}
